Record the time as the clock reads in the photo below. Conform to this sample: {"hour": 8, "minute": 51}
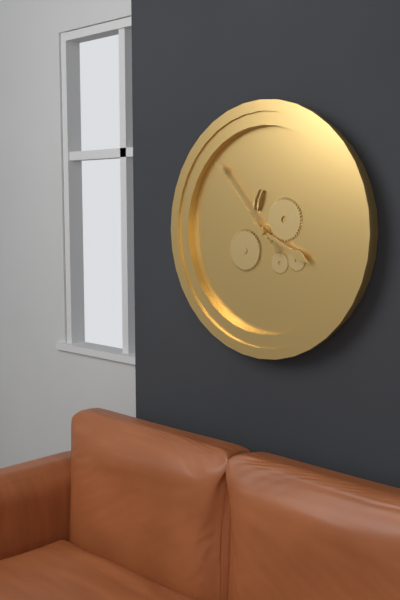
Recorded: {"hour": 3, "minute": 53}
